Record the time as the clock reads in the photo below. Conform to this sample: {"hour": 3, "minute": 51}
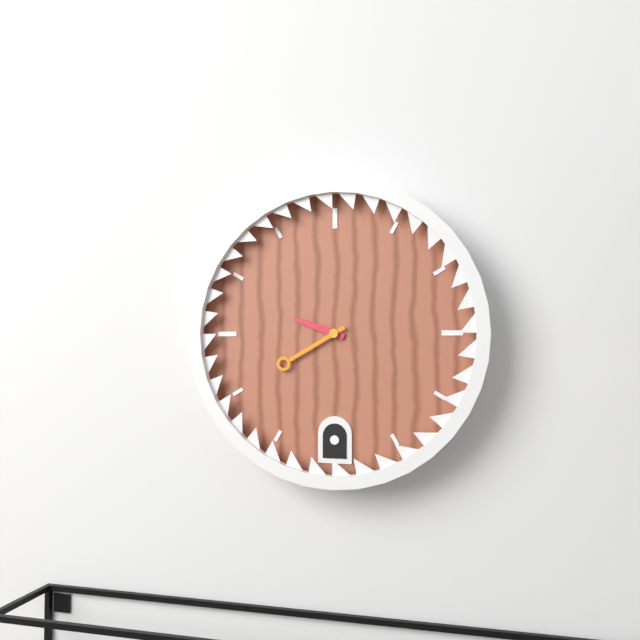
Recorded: {"hour": 9, "minute": 40}
